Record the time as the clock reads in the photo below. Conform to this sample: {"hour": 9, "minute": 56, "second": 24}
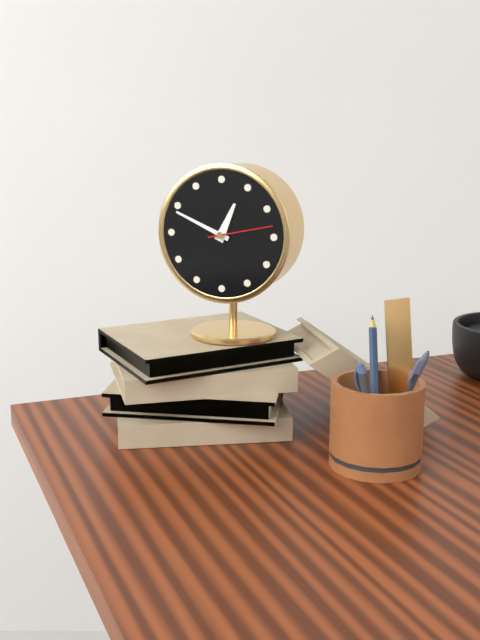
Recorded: {"hour": 12, "minute": 49, "second": 13}
